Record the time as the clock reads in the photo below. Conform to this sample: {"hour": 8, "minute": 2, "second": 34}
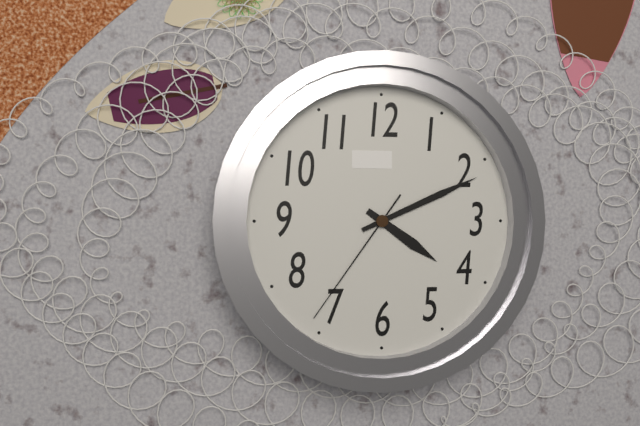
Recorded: {"hour": 4, "minute": 11, "second": 36}
